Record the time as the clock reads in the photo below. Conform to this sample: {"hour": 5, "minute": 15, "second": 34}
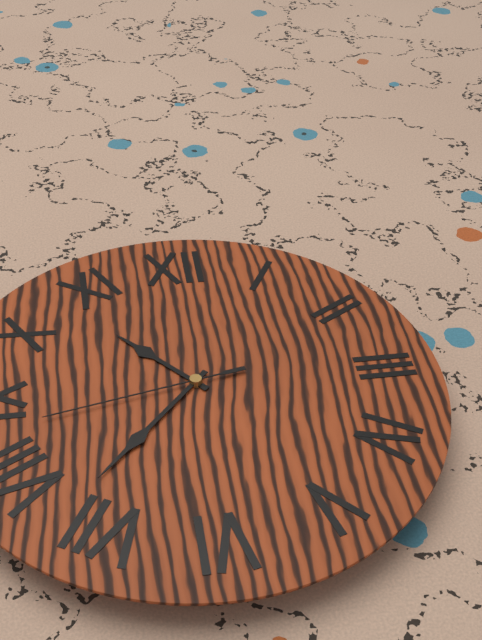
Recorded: {"hour": 10, "minute": 37, "second": 43}
